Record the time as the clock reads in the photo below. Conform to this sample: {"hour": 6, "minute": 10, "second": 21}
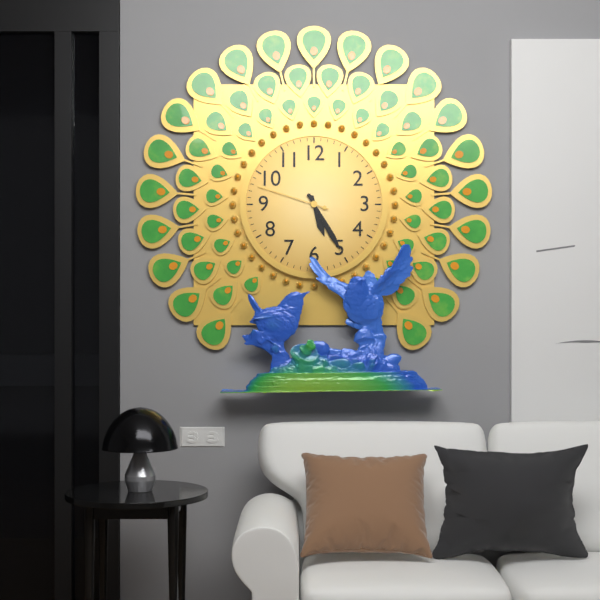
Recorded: {"hour": 5, "minute": 25, "second": 48}
